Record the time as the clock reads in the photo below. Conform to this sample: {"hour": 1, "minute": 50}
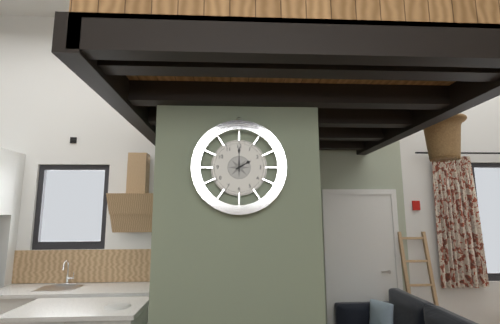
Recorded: {"hour": 2, "minute": 0}
